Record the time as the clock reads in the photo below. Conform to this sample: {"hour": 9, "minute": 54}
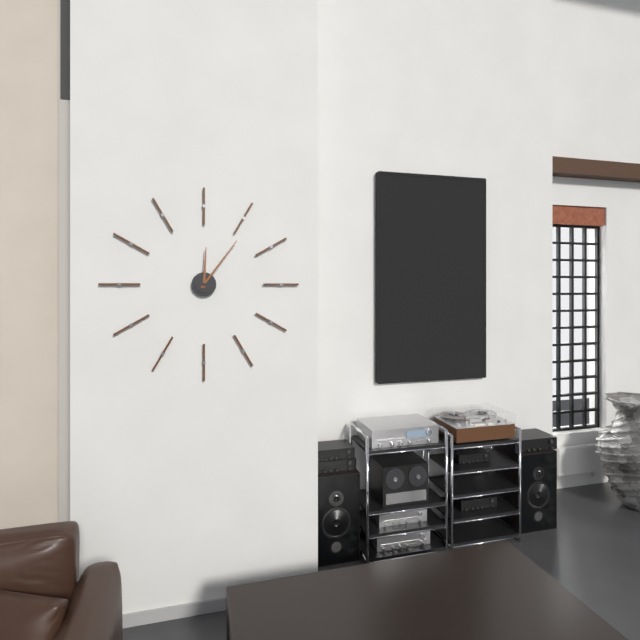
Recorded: {"hour": 12, "minute": 6}
